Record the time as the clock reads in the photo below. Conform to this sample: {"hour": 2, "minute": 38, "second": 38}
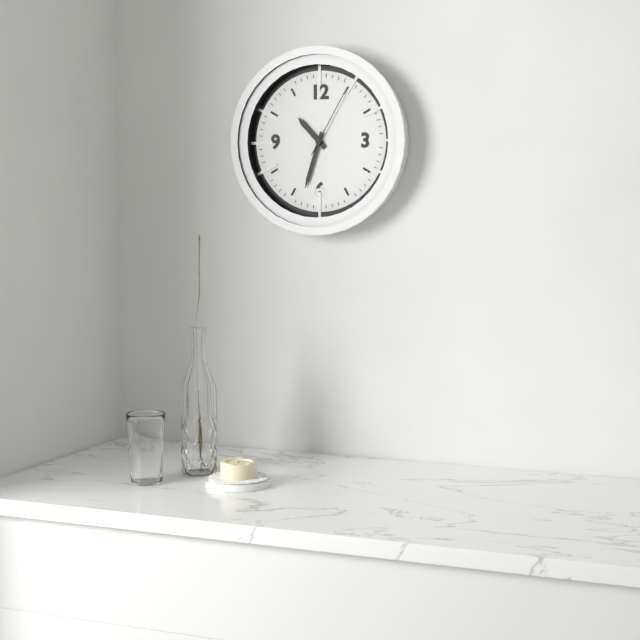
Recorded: {"hour": 10, "minute": 33, "second": 5}
